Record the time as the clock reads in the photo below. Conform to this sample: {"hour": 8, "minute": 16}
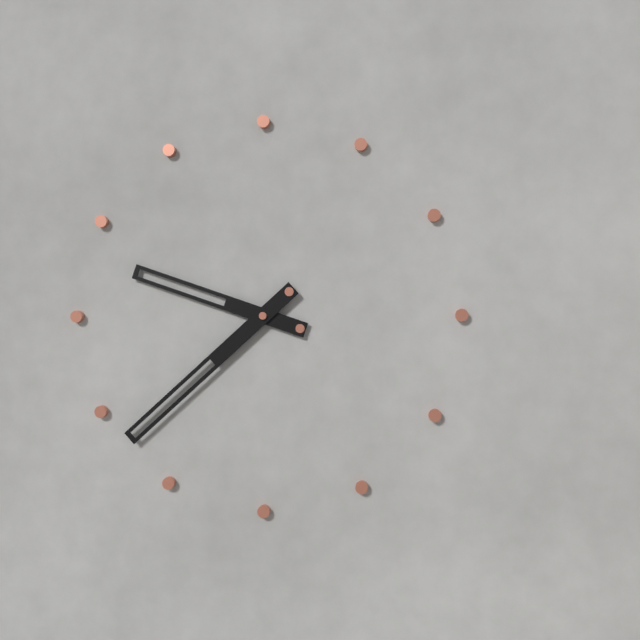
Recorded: {"hour": 9, "minute": 38}
